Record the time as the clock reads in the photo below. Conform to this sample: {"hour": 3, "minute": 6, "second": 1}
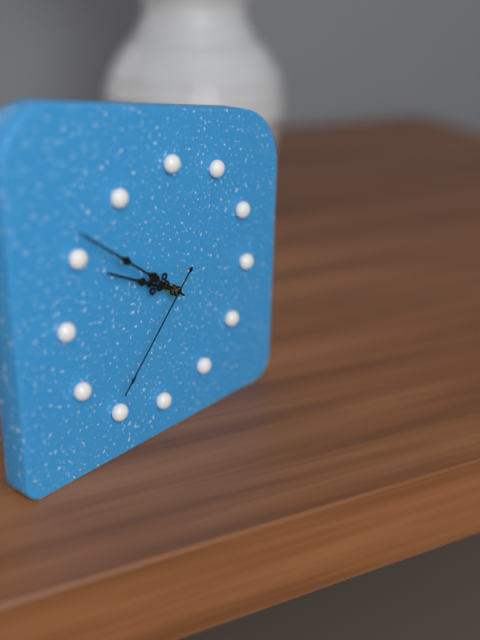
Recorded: {"hour": 9, "minute": 51, "second": 37}
